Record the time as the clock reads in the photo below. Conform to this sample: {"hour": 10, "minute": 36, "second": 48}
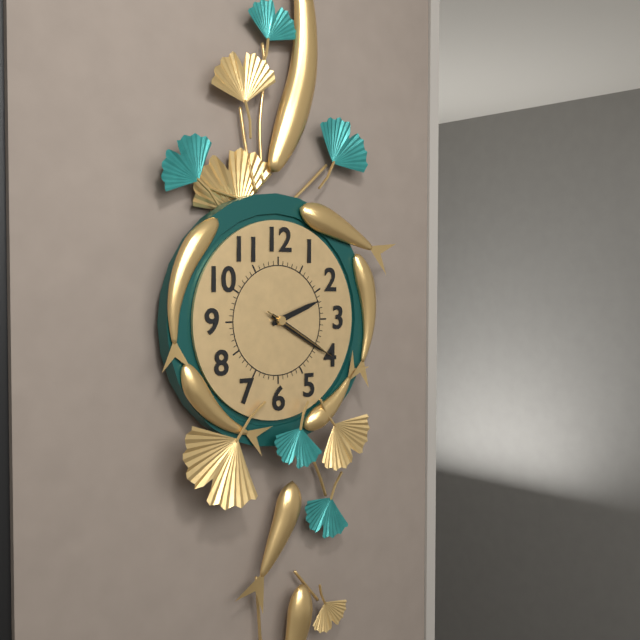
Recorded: {"hour": 2, "minute": 20, "second": 20}
